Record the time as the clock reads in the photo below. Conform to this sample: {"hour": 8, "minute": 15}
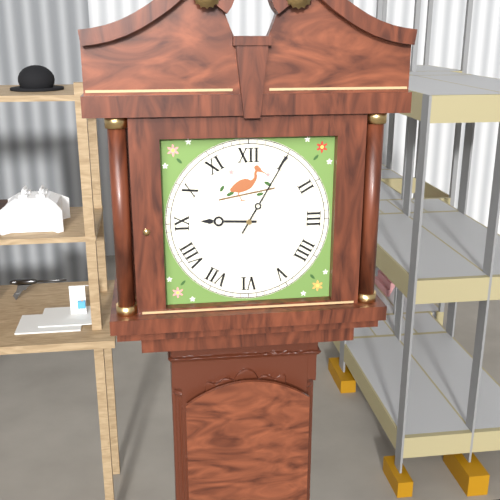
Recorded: {"hour": 9, "minute": 5}
